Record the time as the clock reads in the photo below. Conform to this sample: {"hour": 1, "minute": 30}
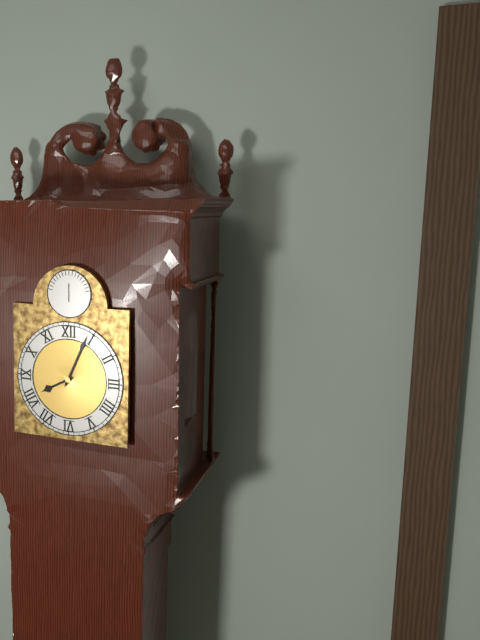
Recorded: {"hour": 8, "minute": 4}
